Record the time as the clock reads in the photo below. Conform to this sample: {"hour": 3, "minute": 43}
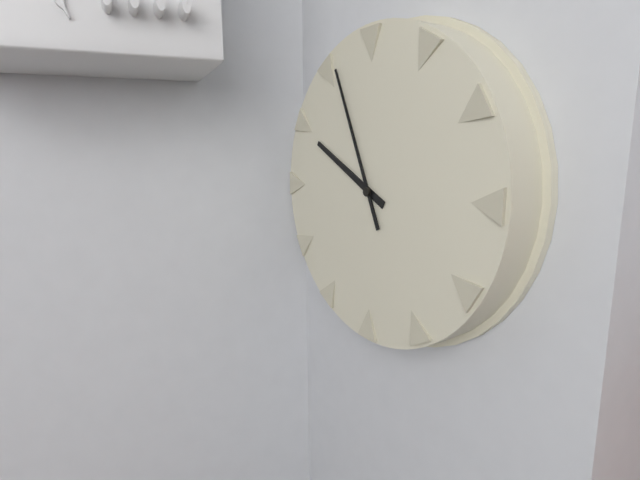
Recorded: {"hour": 9, "minute": 56}
